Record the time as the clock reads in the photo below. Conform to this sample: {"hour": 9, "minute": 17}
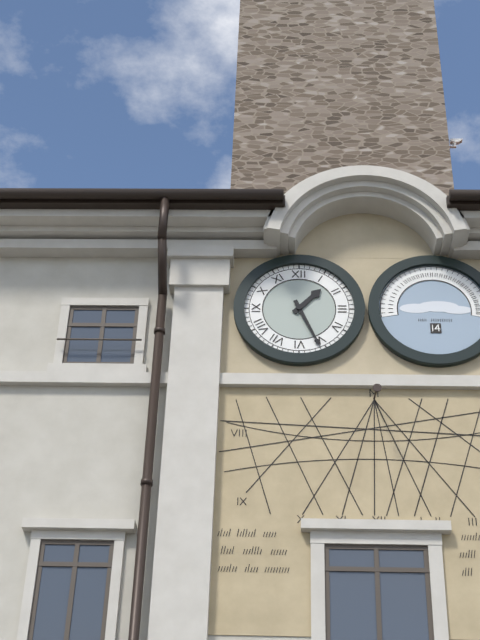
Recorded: {"hour": 1, "minute": 26}
